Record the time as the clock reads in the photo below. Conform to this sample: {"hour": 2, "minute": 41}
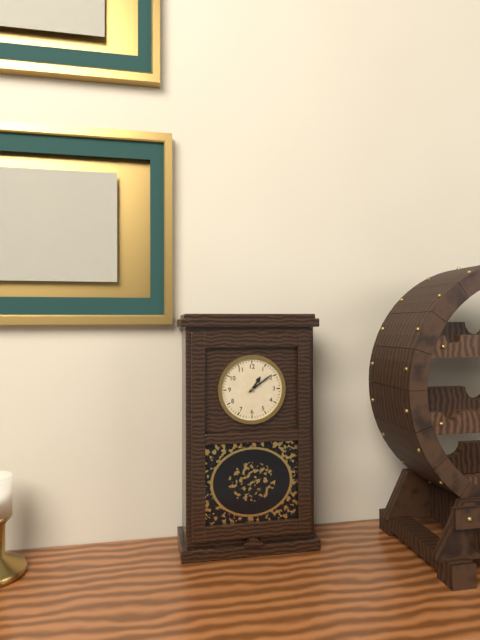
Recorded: {"hour": 1, "minute": 9}
